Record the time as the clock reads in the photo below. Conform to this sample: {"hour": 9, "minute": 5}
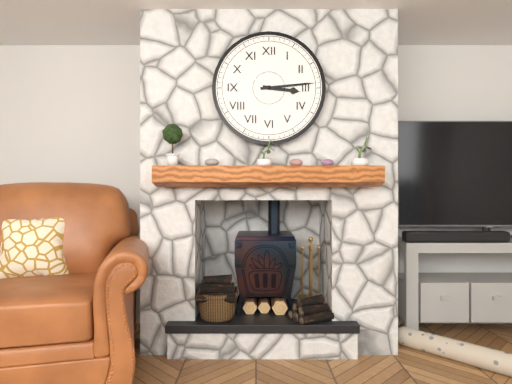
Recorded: {"hour": 3, "minute": 14}
